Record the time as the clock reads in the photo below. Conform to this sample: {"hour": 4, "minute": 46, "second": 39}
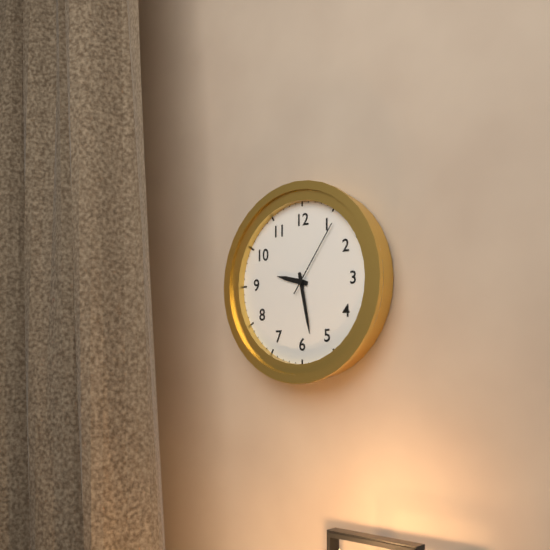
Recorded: {"hour": 9, "minute": 28, "second": 6}
